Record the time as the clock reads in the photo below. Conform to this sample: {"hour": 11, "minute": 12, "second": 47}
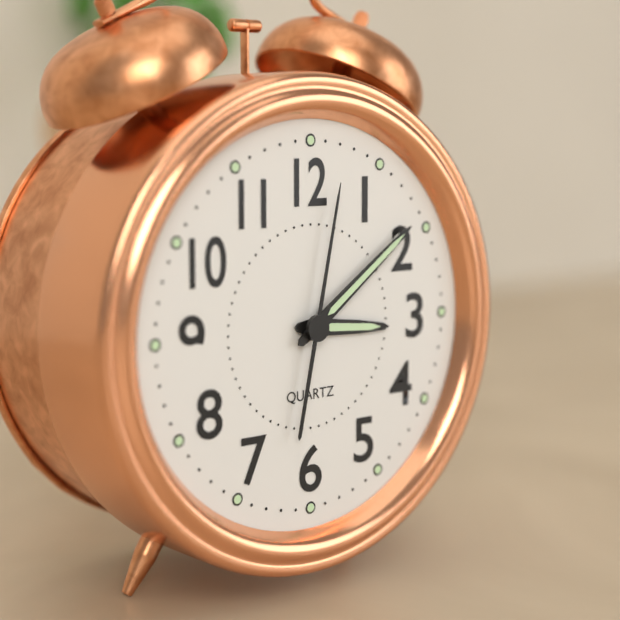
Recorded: {"hour": 3, "minute": 9, "second": 2}
